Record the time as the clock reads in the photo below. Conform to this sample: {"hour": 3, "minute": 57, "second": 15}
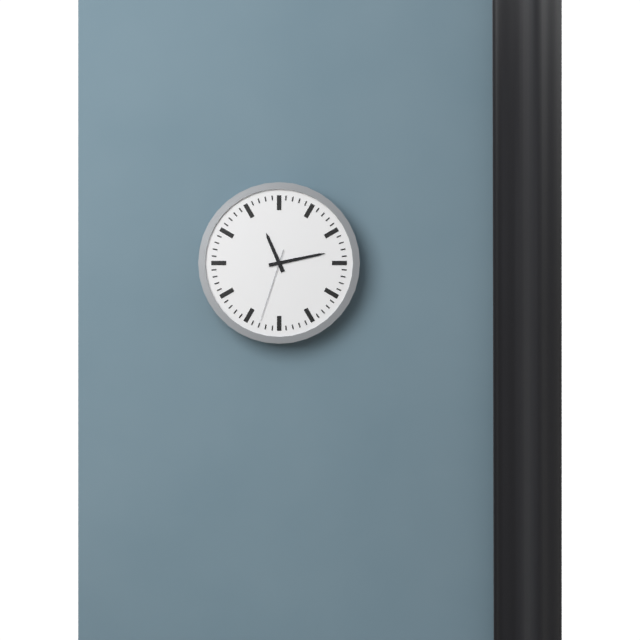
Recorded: {"hour": 11, "minute": 13, "second": 33}
